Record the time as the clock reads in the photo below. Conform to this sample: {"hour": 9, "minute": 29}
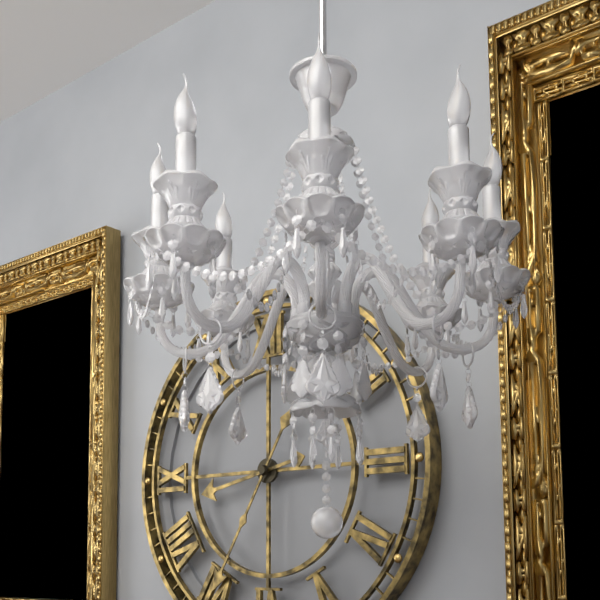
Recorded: {"hour": 8, "minute": 35}
